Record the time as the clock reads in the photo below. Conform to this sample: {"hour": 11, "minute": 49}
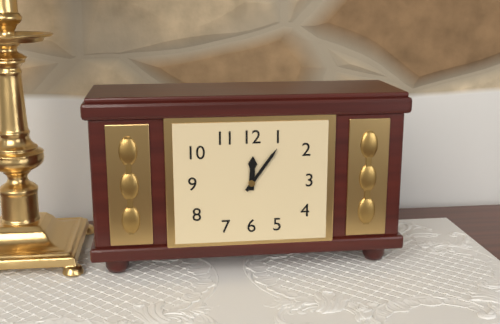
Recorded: {"hour": 12, "minute": 6}
